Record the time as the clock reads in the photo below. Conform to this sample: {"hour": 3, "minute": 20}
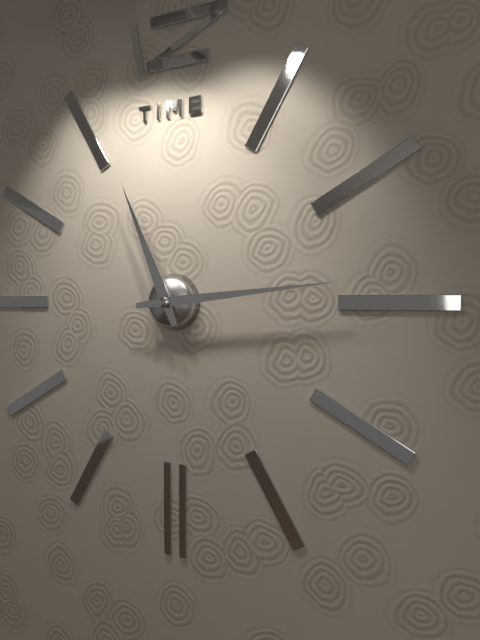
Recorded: {"hour": 11, "minute": 14}
